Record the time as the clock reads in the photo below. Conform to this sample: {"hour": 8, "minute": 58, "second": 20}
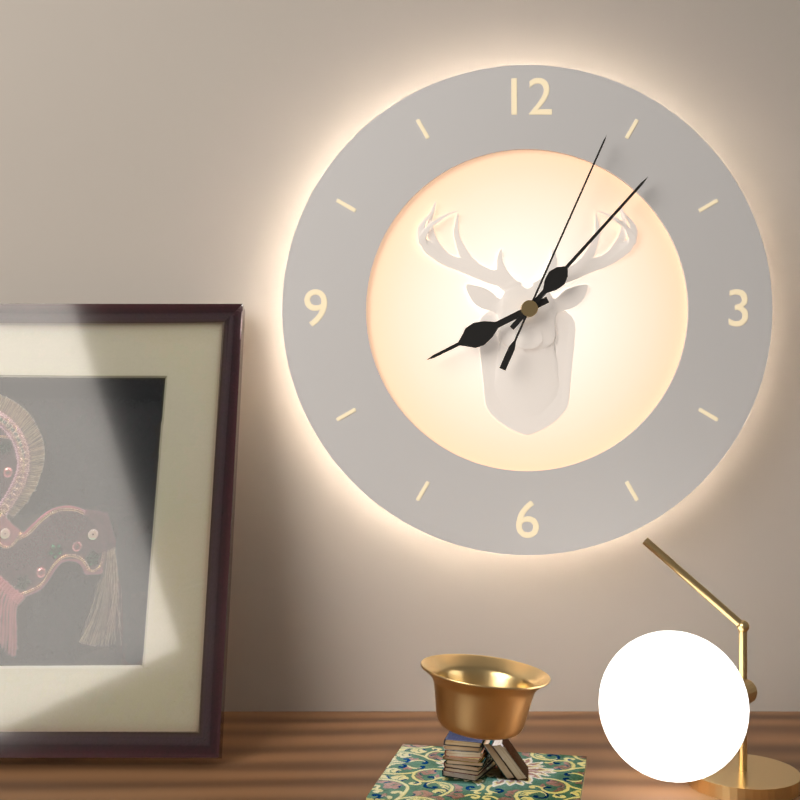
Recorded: {"hour": 8, "minute": 7, "second": 4}
